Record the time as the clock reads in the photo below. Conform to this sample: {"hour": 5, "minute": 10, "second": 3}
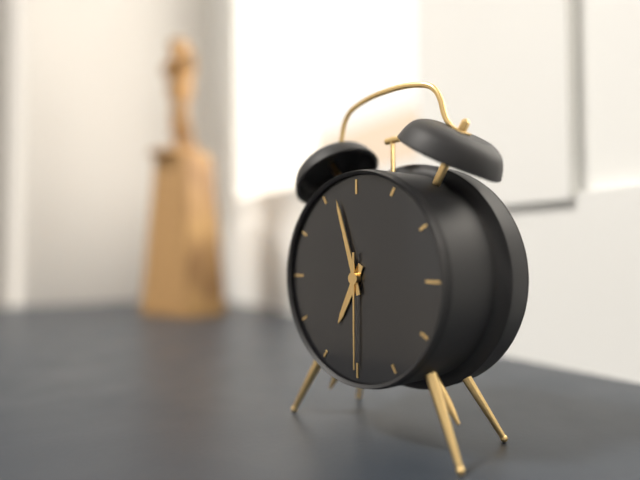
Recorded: {"hour": 6, "minute": 57, "second": 30}
